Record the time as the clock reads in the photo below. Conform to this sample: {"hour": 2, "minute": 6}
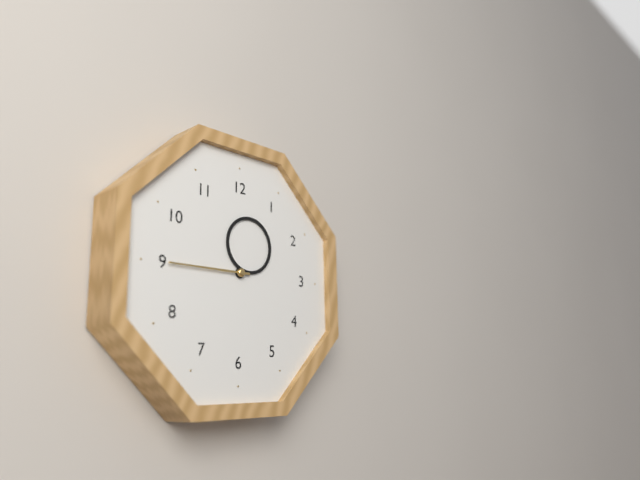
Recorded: {"hour": 12, "minute": 45}
